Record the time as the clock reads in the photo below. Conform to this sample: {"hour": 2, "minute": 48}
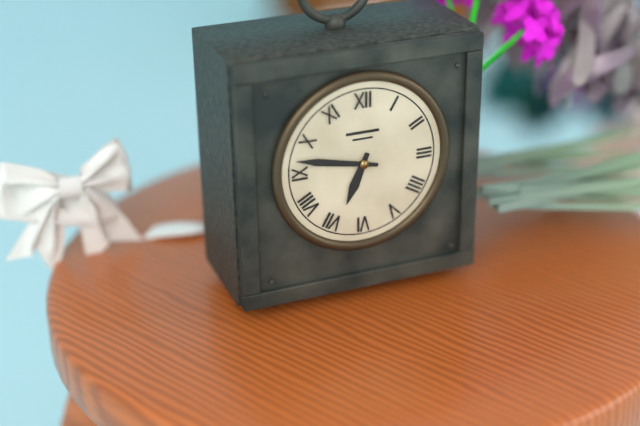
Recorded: {"hour": 6, "minute": 47}
